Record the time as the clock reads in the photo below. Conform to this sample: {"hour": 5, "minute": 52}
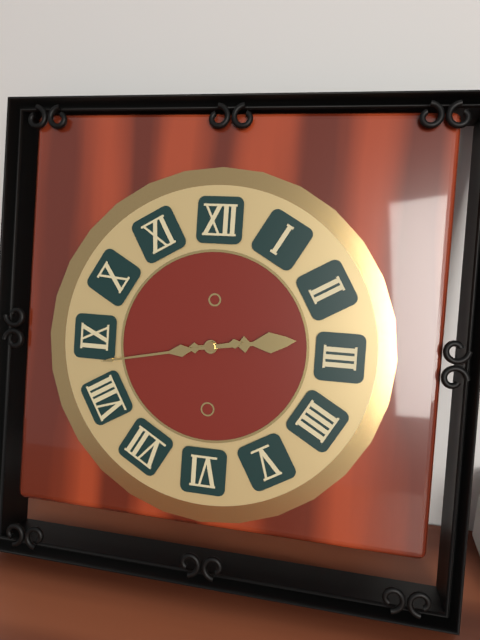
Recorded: {"hour": 2, "minute": 43}
